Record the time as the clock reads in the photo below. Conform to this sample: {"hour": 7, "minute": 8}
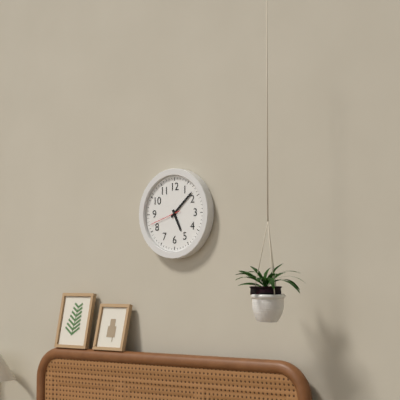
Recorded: {"hour": 5, "minute": 8}
